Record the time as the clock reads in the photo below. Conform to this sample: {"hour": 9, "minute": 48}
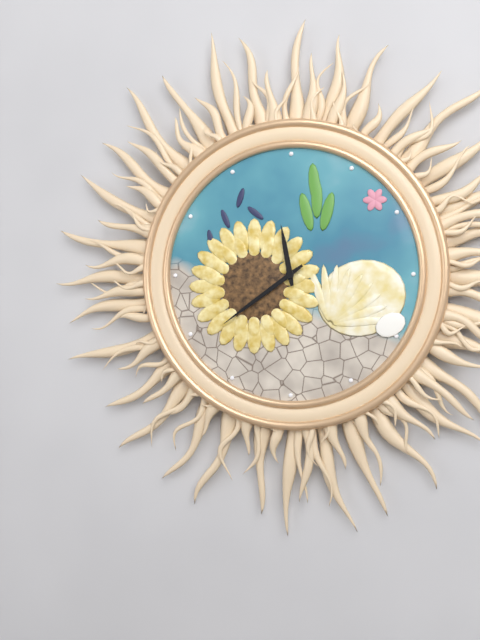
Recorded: {"hour": 11, "minute": 39}
